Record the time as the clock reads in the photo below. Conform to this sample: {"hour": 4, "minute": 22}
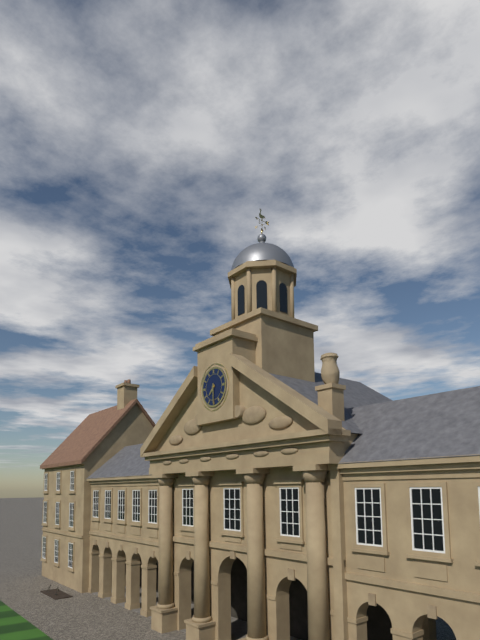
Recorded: {"hour": 7, "minute": 30}
